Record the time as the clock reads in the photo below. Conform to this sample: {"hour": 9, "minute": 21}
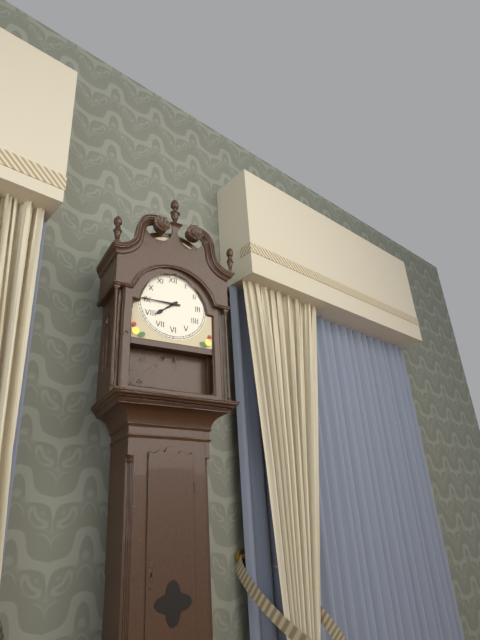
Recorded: {"hour": 7, "minute": 45}
